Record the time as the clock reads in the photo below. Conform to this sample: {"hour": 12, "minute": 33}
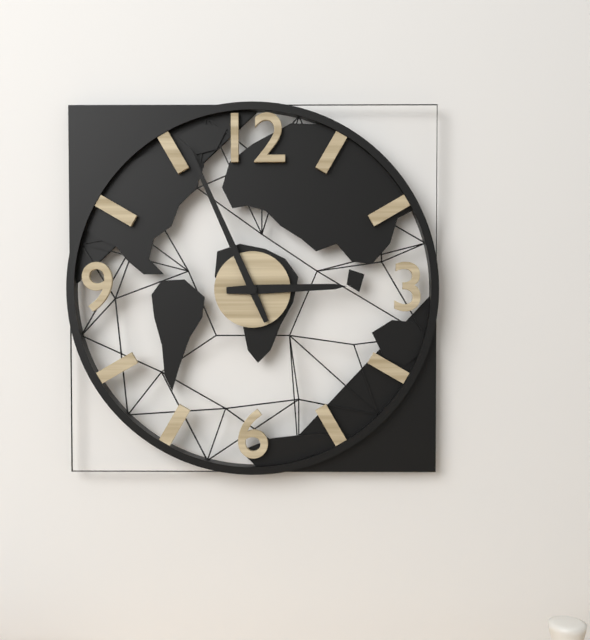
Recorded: {"hour": 2, "minute": 56}
